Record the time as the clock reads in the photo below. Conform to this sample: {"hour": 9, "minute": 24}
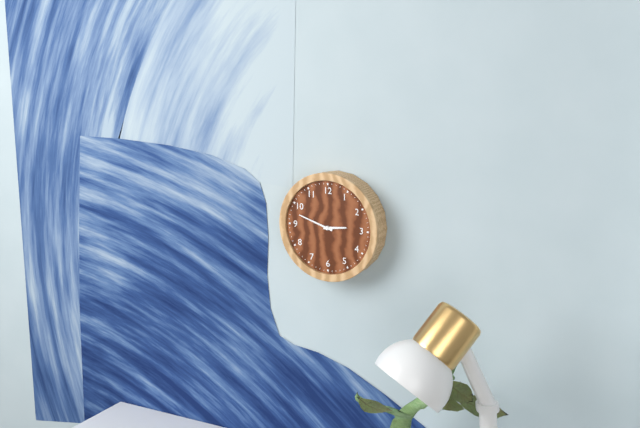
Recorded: {"hour": 2, "minute": 48}
